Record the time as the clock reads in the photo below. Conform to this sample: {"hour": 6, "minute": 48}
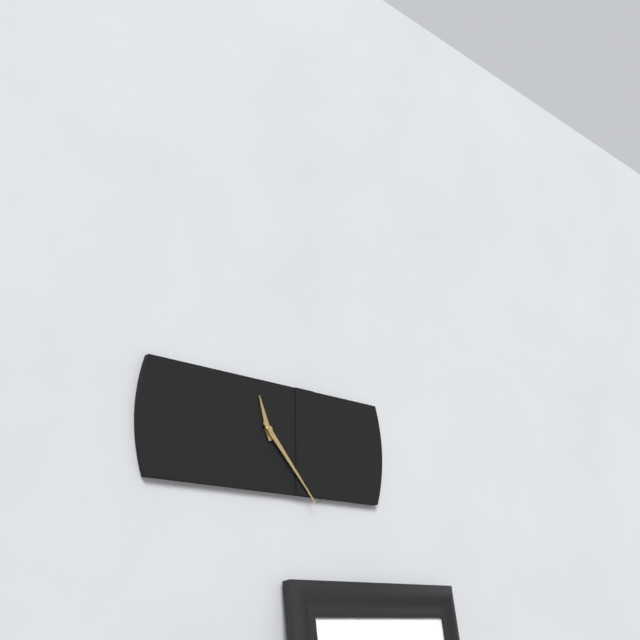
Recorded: {"hour": 11, "minute": 23}
